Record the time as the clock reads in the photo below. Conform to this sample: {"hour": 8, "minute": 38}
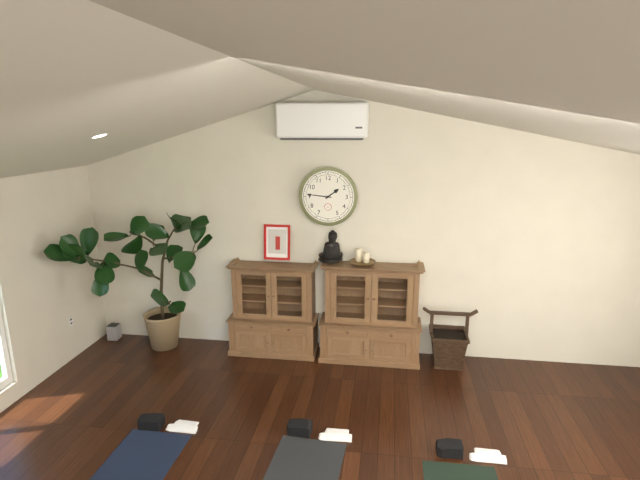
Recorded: {"hour": 1, "minute": 46}
